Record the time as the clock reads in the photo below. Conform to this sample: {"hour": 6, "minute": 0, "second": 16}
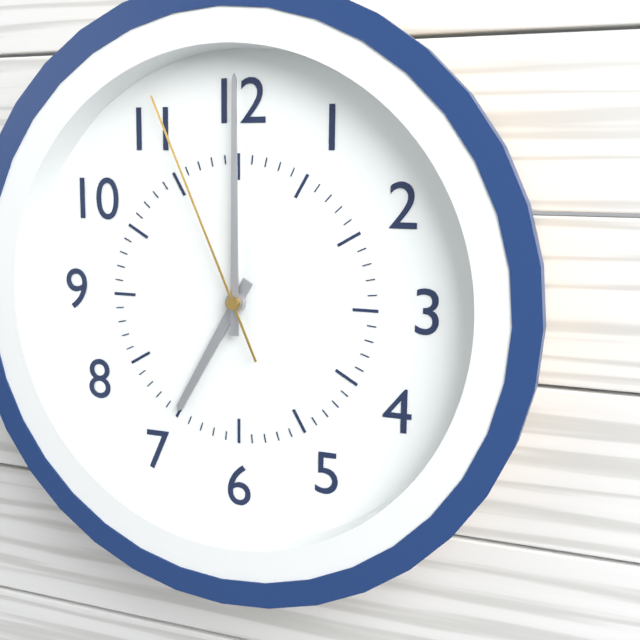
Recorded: {"hour": 7, "minute": 0, "second": 56}
